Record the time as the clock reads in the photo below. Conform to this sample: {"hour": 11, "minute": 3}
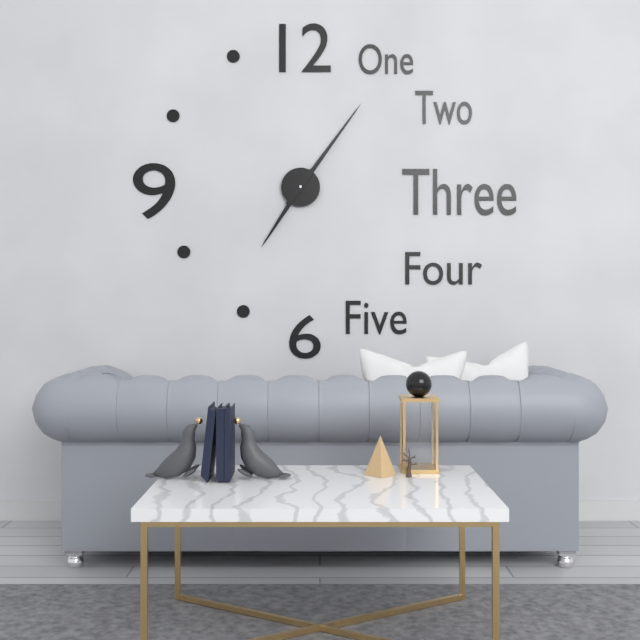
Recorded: {"hour": 7, "minute": 6}
